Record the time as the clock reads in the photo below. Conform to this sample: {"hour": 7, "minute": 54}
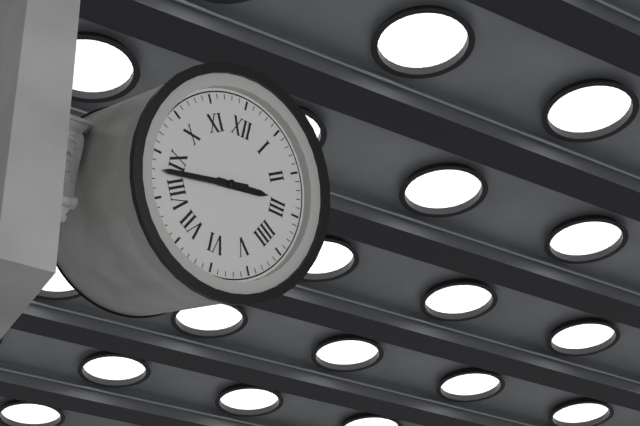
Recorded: {"hour": 2, "minute": 43}
